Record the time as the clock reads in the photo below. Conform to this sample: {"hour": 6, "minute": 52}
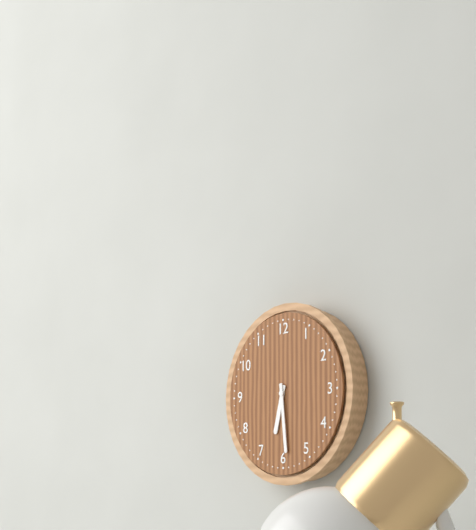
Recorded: {"hour": 6, "minute": 29}
